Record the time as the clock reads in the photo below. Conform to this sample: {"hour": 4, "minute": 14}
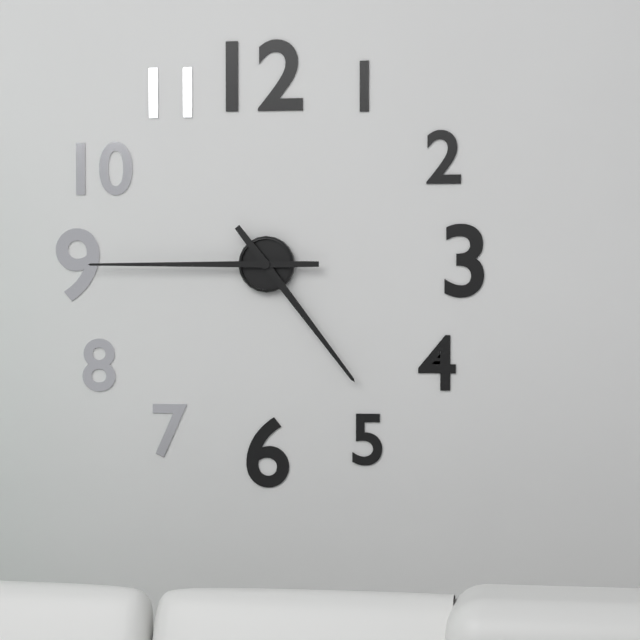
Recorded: {"hour": 4, "minute": 45}
